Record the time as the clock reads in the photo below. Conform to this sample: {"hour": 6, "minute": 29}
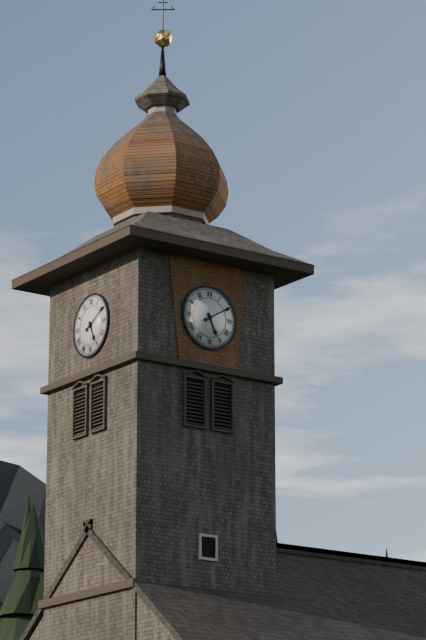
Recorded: {"hour": 5, "minute": 10}
